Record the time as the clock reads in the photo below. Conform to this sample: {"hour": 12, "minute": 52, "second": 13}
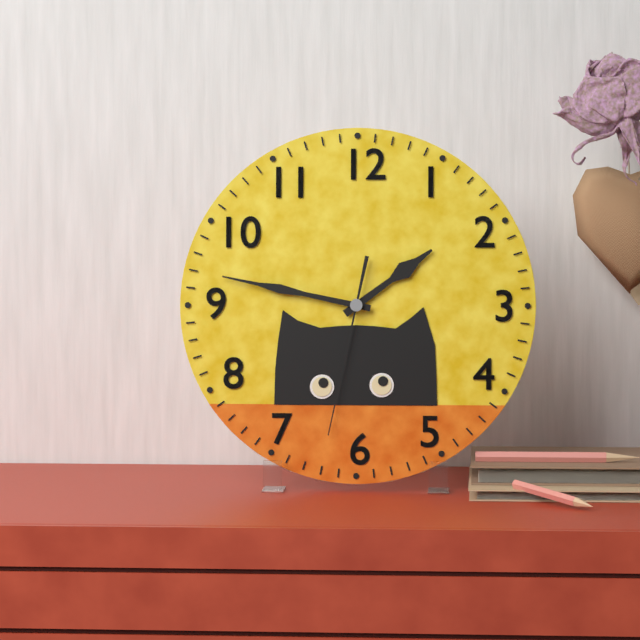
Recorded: {"hour": 1, "minute": 47, "second": 32}
